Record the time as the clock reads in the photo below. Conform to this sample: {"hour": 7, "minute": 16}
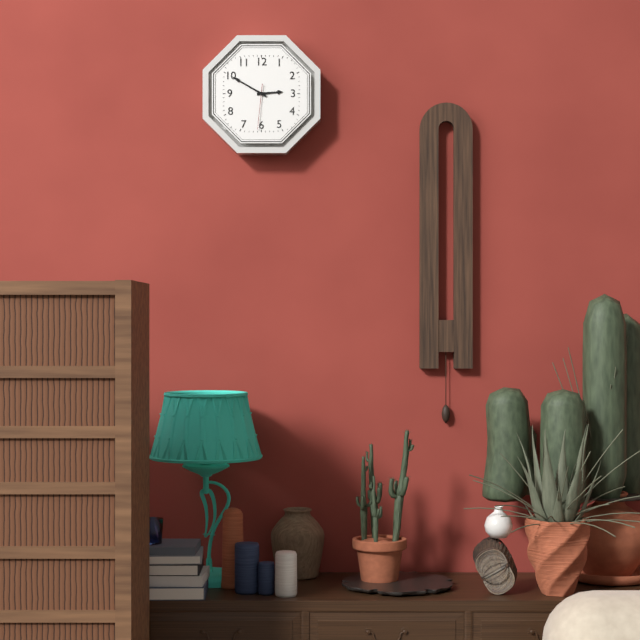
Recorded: {"hour": 2, "minute": 50}
